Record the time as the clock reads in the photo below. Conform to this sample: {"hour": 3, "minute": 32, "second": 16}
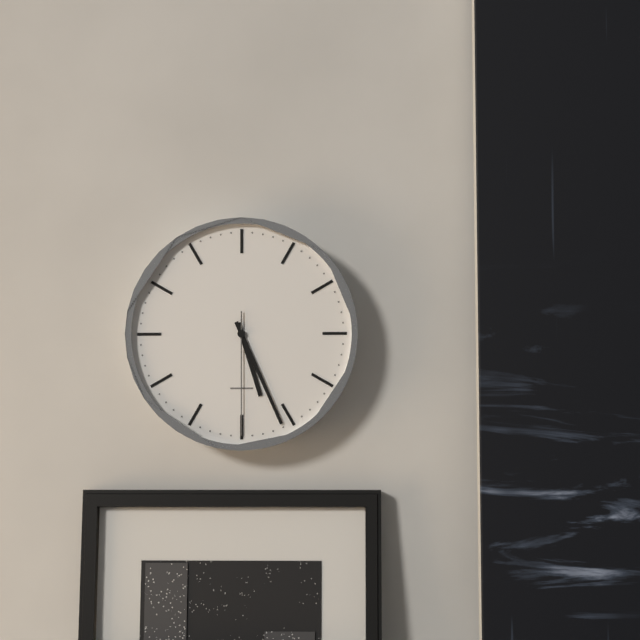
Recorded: {"hour": 5, "minute": 26, "second": 30}
